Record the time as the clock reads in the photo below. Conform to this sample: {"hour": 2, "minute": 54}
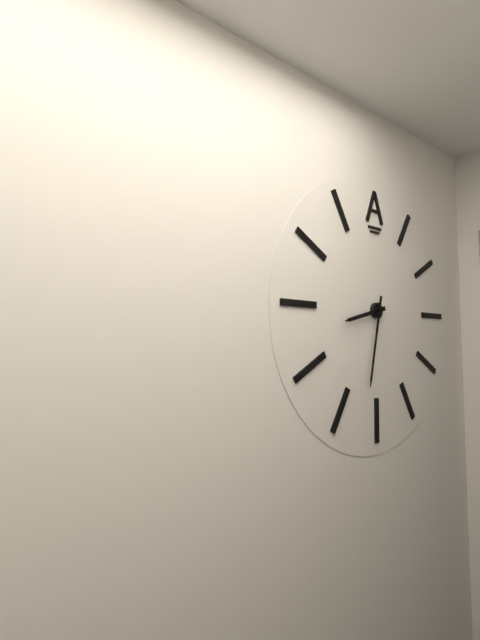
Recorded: {"hour": 8, "minute": 32}
